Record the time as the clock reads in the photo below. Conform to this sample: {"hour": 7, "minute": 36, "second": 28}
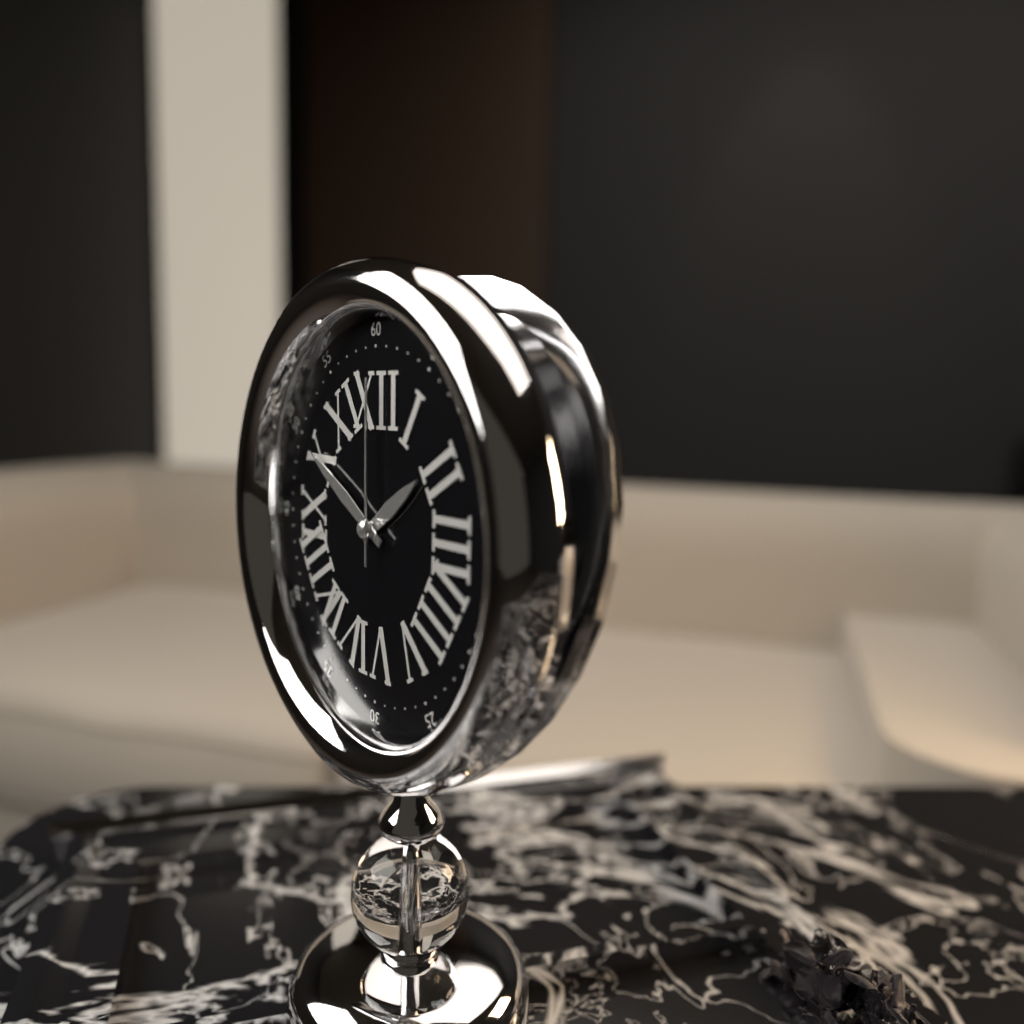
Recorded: {"hour": 1, "minute": 50, "second": 0}
